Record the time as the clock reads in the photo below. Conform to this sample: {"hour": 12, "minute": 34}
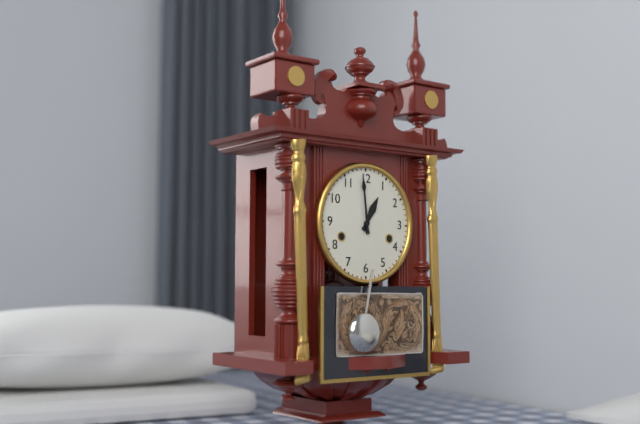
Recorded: {"hour": 12, "minute": 59}
